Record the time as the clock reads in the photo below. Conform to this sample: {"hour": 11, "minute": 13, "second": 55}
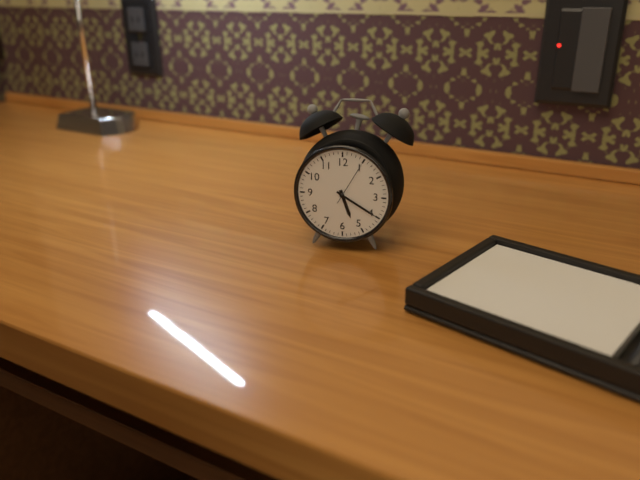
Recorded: {"hour": 5, "minute": 20, "second": 5}
